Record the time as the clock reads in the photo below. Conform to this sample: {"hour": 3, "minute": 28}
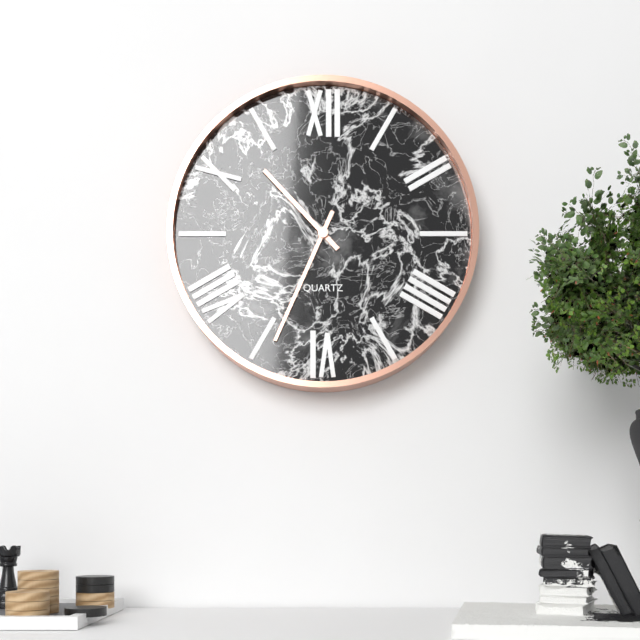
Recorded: {"hour": 10, "minute": 34}
